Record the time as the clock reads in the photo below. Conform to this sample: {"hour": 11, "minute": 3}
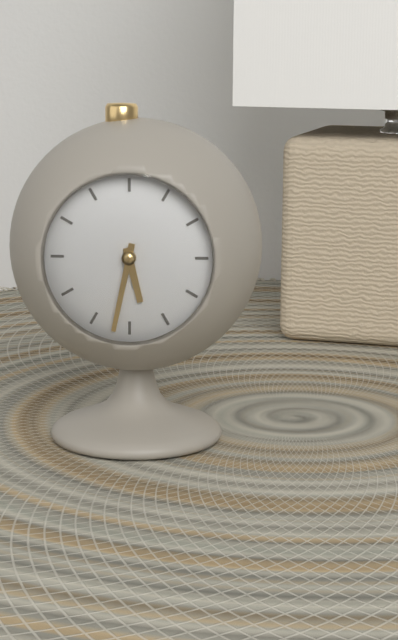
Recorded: {"hour": 5, "minute": 32}
